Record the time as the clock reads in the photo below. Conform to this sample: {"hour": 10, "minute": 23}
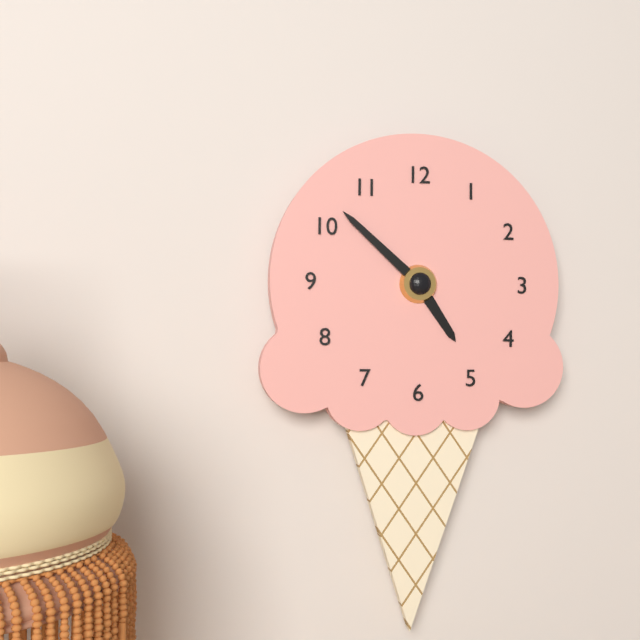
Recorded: {"hour": 4, "minute": 52}
